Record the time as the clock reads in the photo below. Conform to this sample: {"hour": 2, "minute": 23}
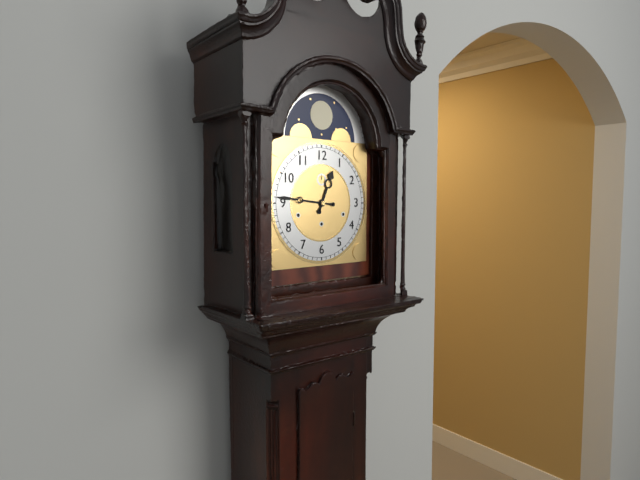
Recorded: {"hour": 12, "minute": 46}
